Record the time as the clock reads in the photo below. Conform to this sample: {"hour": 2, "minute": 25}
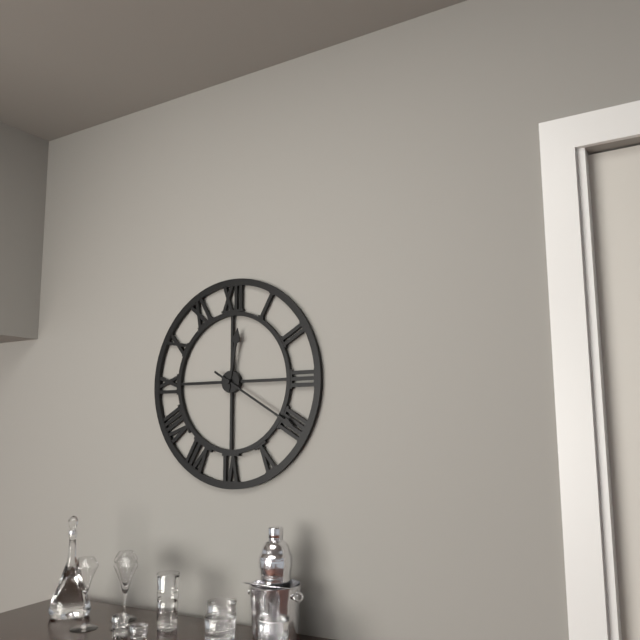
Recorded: {"hour": 12, "minute": 20}
